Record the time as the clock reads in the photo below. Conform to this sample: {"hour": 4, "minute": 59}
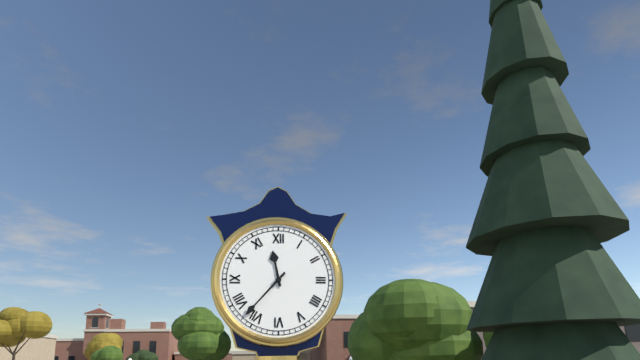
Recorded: {"hour": 11, "minute": 37}
